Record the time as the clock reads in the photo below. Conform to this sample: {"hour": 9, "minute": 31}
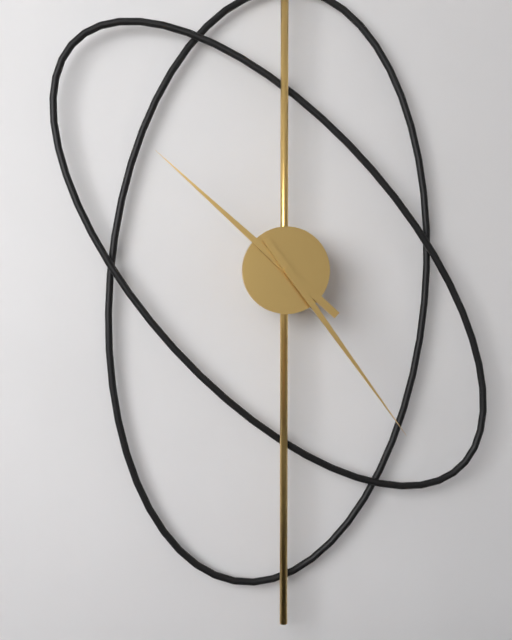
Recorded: {"hour": 10, "minute": 24}
